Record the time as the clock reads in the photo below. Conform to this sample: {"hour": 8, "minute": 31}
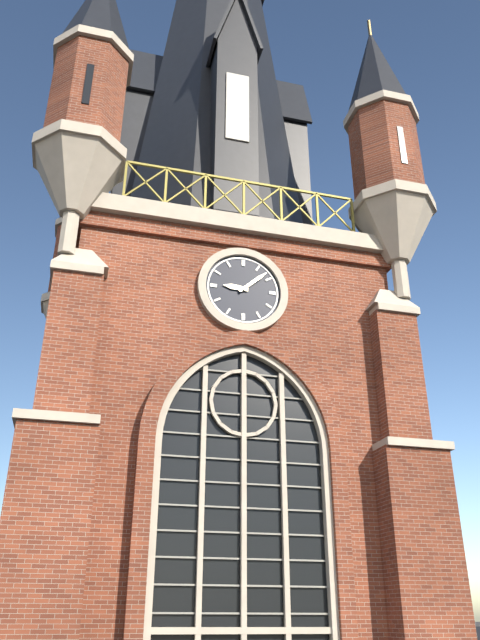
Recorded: {"hour": 9, "minute": 8}
